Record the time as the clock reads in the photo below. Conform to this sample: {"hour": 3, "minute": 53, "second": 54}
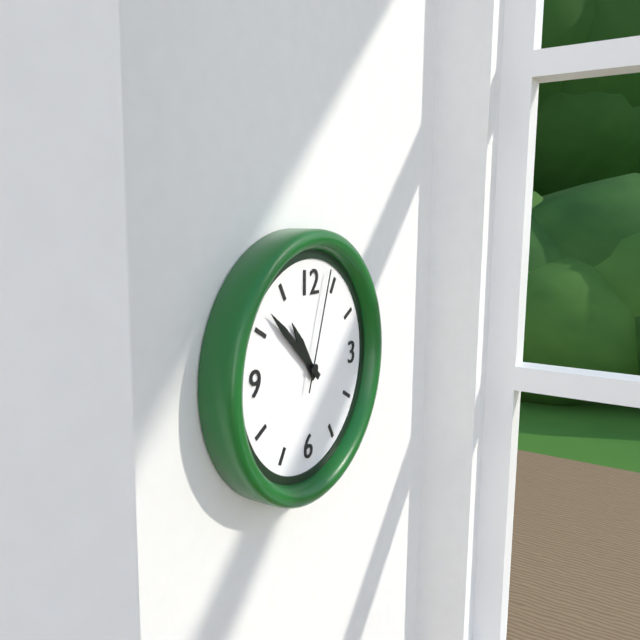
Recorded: {"hour": 10, "minute": 52, "second": 3}
